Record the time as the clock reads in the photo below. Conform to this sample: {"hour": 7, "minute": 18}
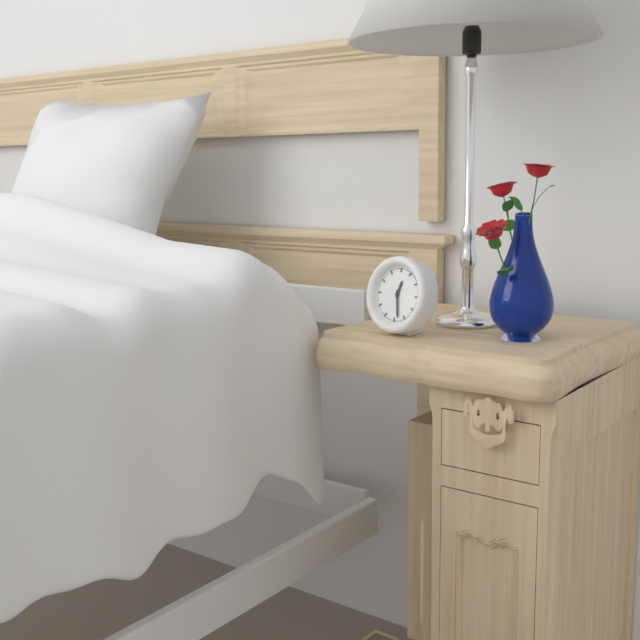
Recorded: {"hour": 12, "minute": 28}
